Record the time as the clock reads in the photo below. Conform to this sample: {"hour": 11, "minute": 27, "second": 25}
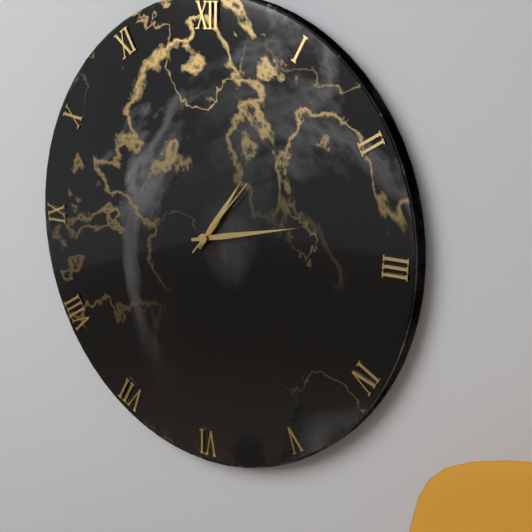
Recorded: {"hour": 1, "minute": 13, "second": 7}
